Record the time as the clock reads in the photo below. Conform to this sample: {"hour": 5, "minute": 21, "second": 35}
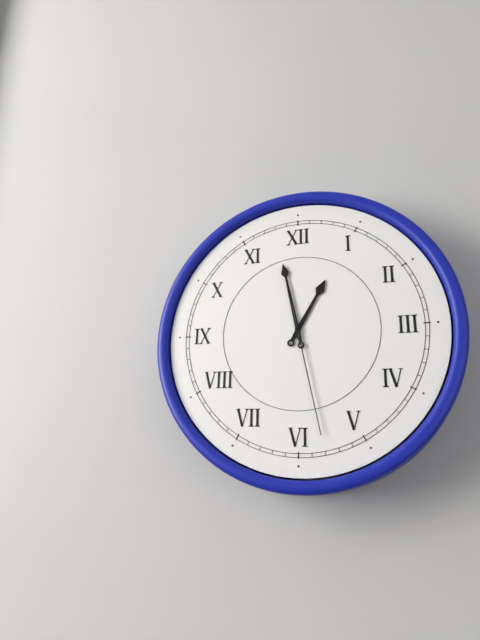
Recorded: {"hour": 12, "minute": 58, "second": 28}
